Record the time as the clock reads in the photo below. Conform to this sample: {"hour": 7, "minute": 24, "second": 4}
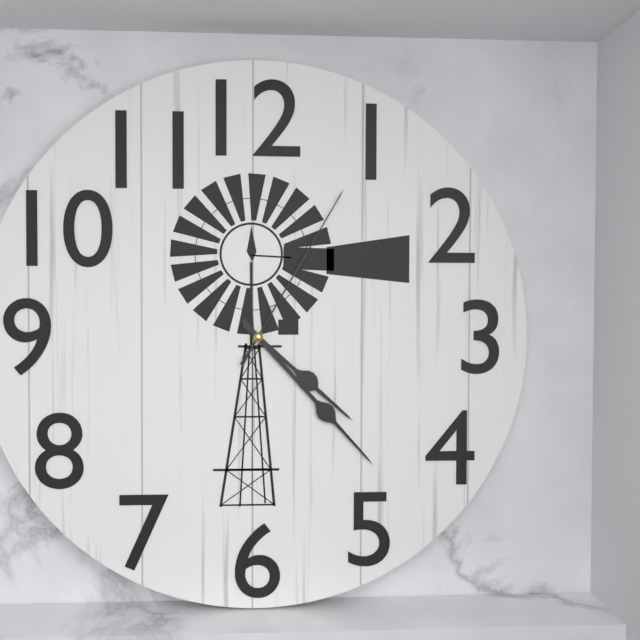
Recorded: {"hour": 4, "minute": 23, "second": 5}
